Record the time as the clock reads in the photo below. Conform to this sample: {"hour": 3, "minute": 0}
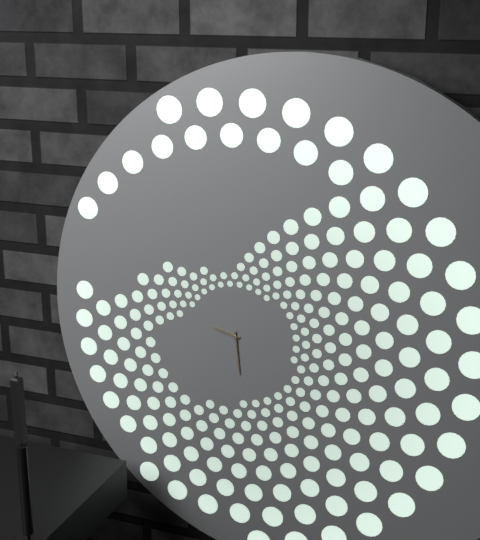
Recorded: {"hour": 9, "minute": 29}
